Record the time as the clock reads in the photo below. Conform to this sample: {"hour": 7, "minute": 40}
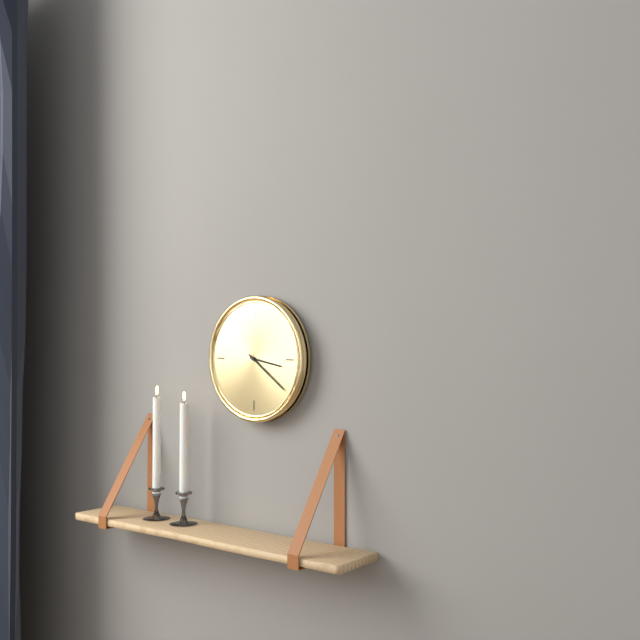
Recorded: {"hour": 3, "minute": 21}
